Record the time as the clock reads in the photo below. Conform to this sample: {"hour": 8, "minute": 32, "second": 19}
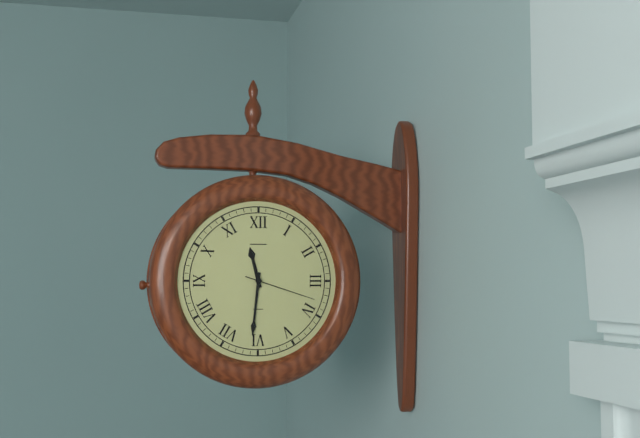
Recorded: {"hour": 11, "minute": 31, "second": 18}
